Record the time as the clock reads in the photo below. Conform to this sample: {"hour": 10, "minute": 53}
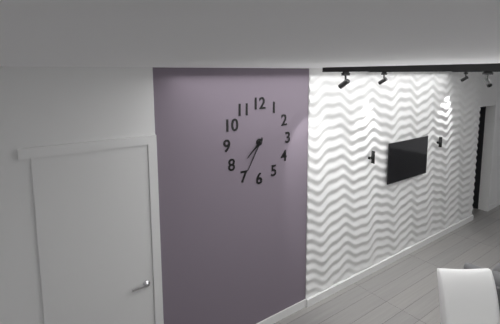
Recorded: {"hour": 7, "minute": 35}
